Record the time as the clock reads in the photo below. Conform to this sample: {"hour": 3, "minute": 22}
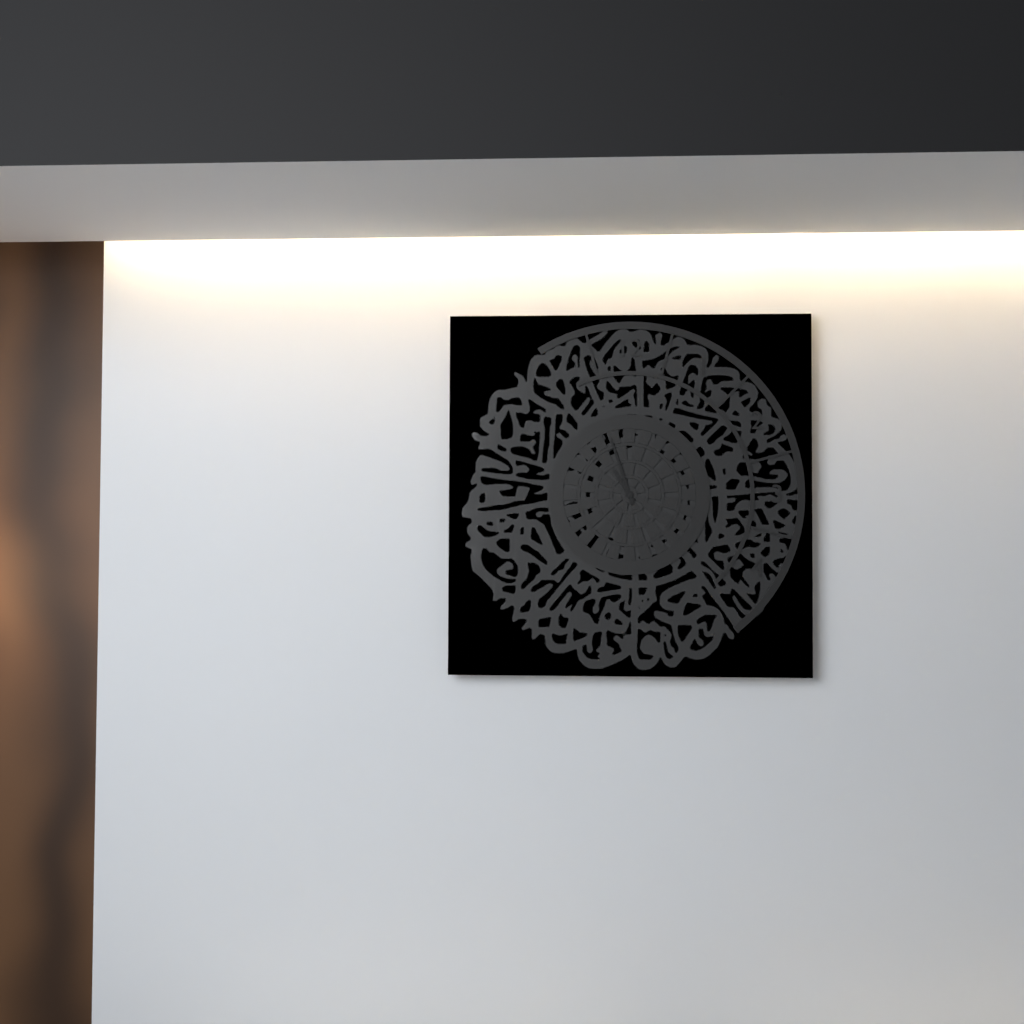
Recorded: {"hour": 10, "minute": 57}
